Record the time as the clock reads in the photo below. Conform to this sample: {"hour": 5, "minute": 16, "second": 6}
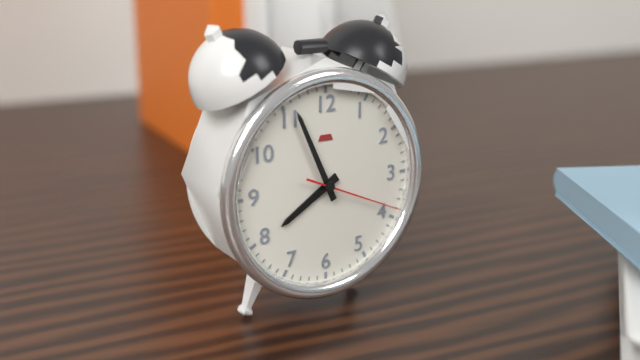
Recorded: {"hour": 7, "minute": 56, "second": 19}
